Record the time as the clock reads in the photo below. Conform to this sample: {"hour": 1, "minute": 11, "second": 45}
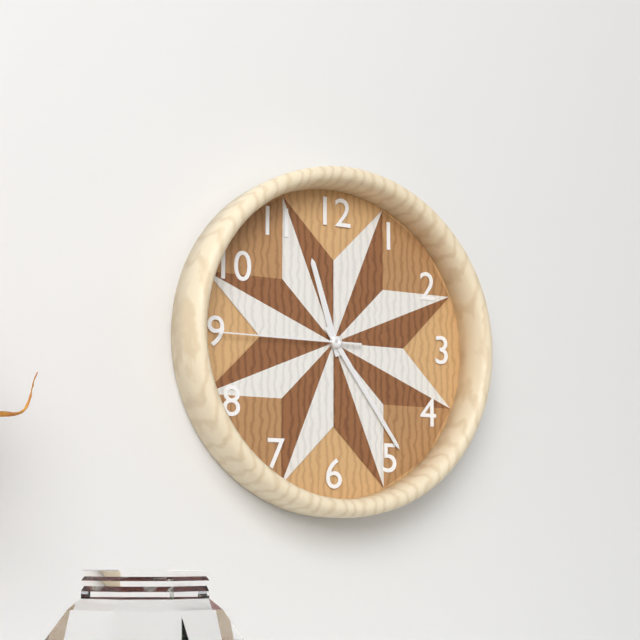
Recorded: {"hour": 11, "minute": 24, "second": 45}
